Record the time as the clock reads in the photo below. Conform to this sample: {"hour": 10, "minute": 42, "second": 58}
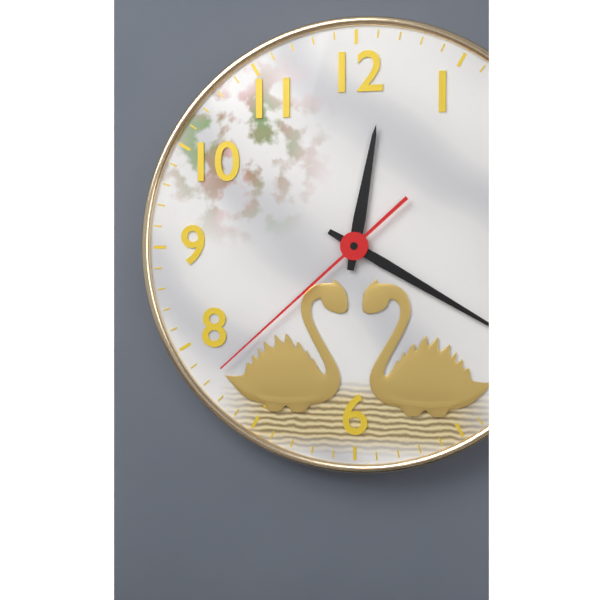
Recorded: {"hour": 12, "minute": 20, "second": 38}
